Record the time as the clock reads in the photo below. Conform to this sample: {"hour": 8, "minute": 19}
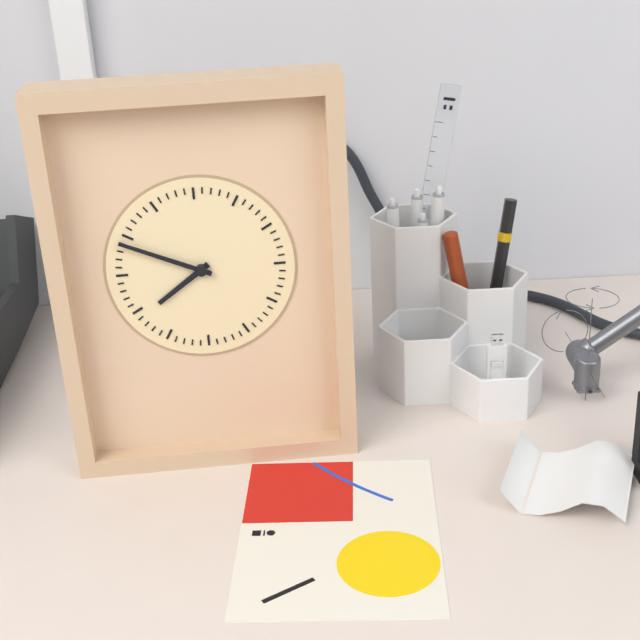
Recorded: {"hour": 7, "minute": 49}
